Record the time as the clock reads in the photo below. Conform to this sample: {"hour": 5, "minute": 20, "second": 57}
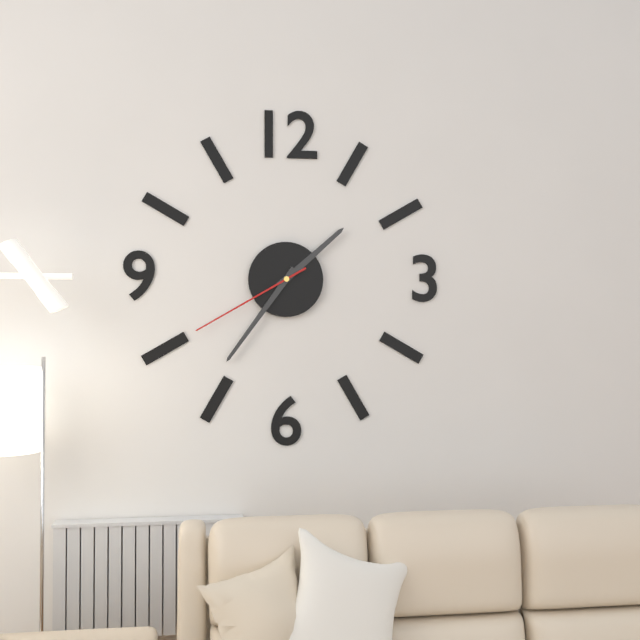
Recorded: {"hour": 1, "minute": 36, "second": 40}
